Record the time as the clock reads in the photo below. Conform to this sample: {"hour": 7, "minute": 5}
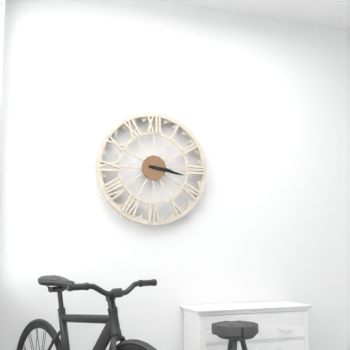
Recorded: {"hour": 3, "minute": 17}
